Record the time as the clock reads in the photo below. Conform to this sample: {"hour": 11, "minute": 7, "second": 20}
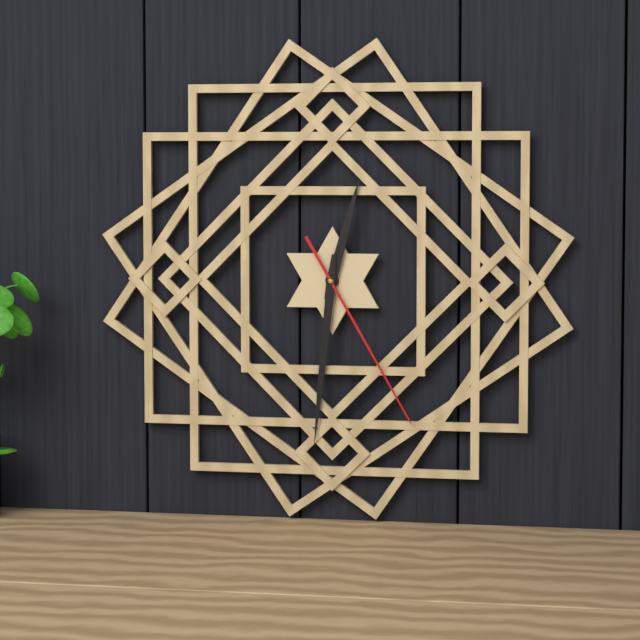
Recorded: {"hour": 12, "minute": 31, "second": 25}
